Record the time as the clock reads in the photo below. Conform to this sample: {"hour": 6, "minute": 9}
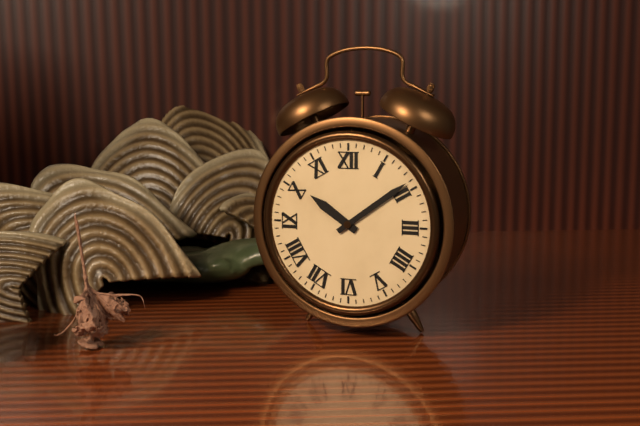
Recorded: {"hour": 10, "minute": 9}
